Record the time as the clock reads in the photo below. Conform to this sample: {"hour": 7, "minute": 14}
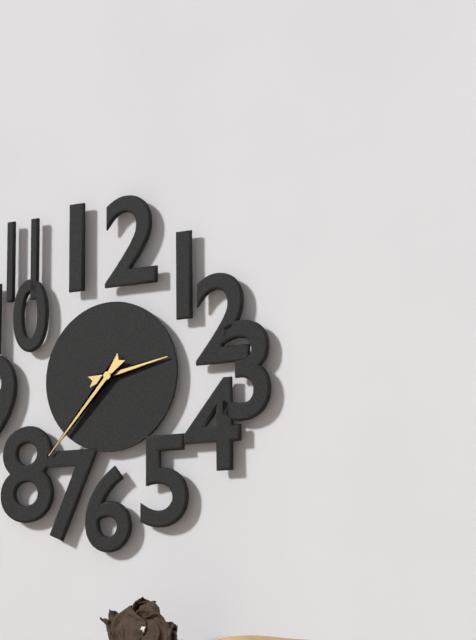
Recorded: {"hour": 2, "minute": 37}
